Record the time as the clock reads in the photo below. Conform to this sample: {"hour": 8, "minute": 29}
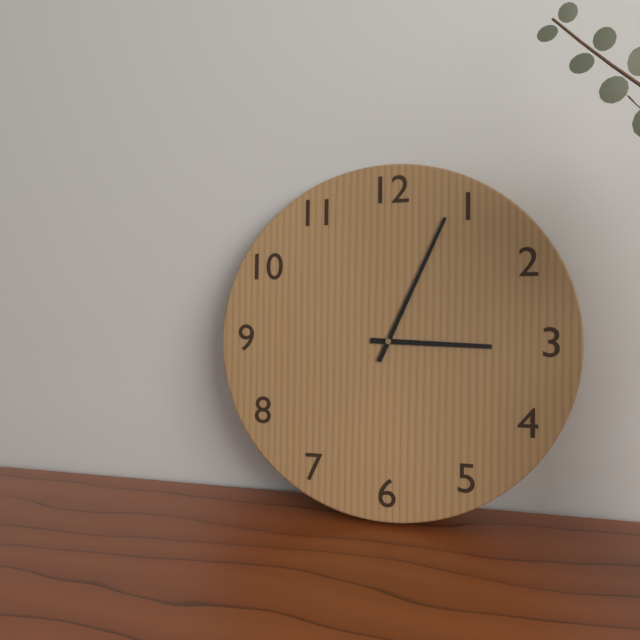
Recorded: {"hour": 3, "minute": 4}
